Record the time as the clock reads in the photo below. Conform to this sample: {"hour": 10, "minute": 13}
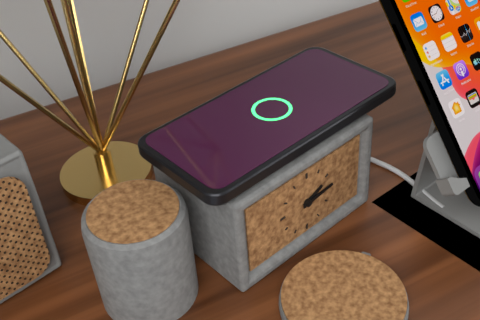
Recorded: {"hour": 2, "minute": 14}
